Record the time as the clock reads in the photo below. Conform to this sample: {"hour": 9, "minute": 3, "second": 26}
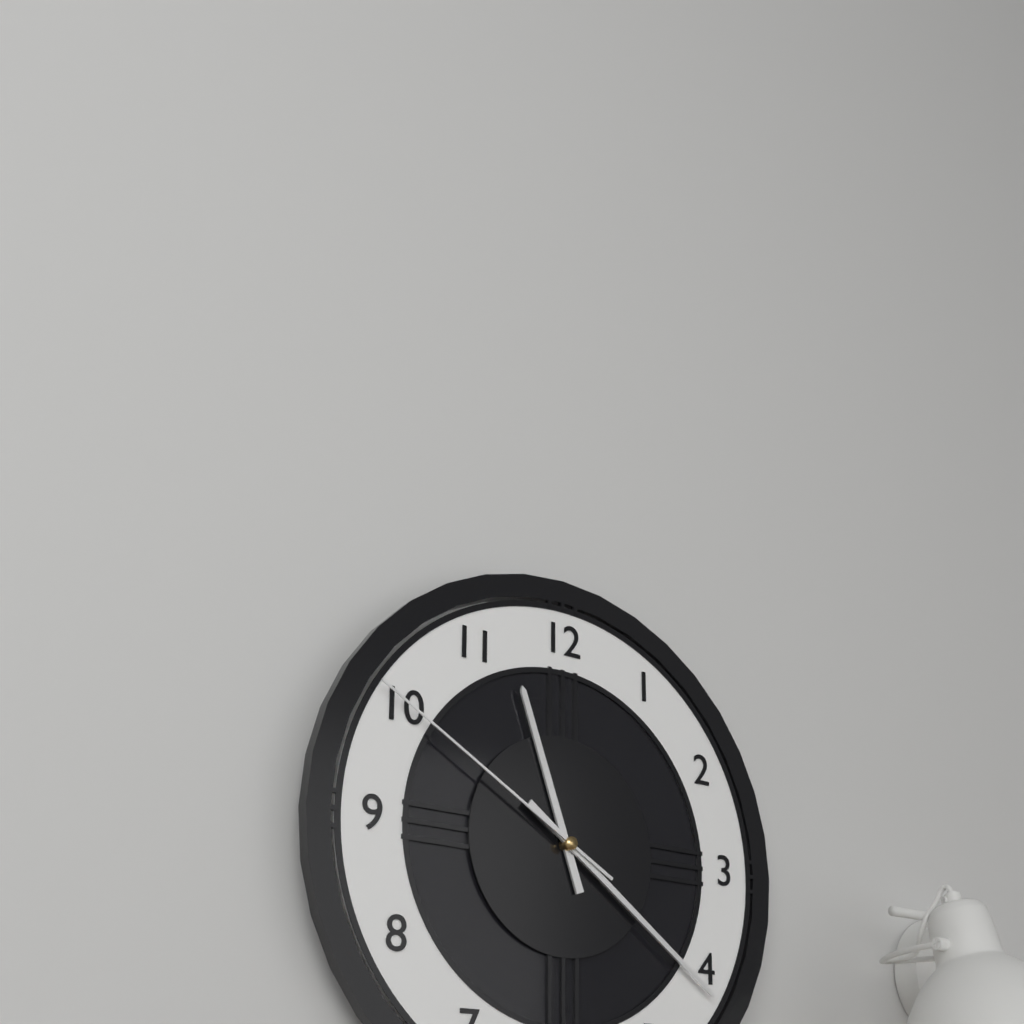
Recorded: {"hour": 11, "minute": 21, "second": 50}
